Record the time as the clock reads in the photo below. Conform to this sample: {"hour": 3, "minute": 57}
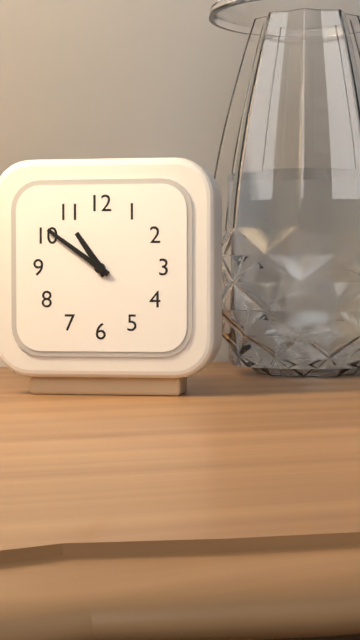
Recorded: {"hour": 10, "minute": 51}
